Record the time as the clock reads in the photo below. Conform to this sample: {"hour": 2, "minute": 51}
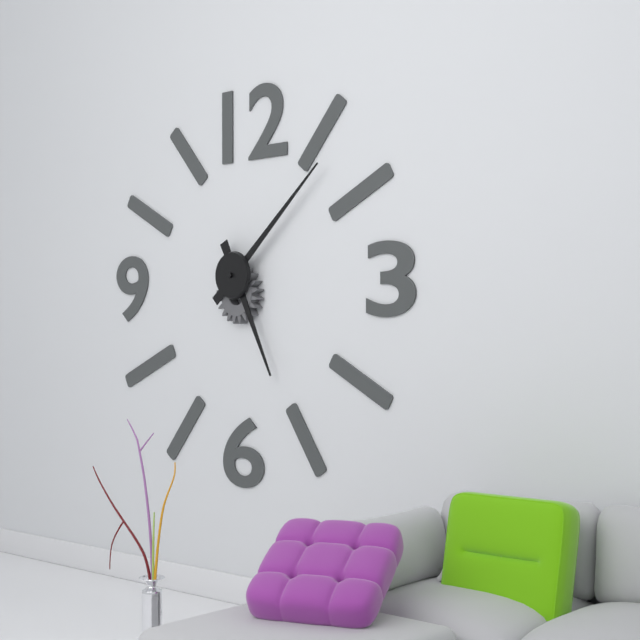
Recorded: {"hour": 5, "minute": 8}
